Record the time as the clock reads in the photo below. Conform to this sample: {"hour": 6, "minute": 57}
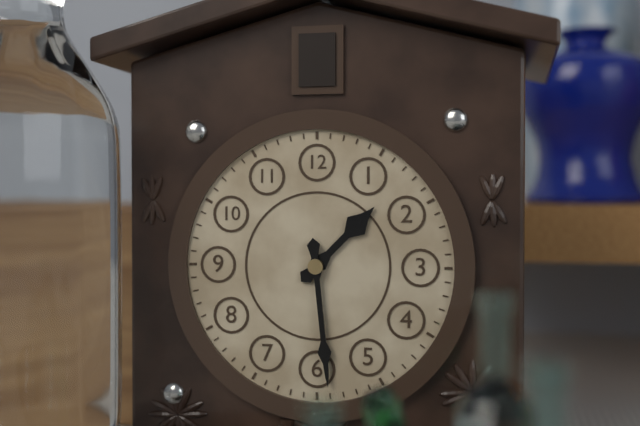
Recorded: {"hour": 1, "minute": 29}
